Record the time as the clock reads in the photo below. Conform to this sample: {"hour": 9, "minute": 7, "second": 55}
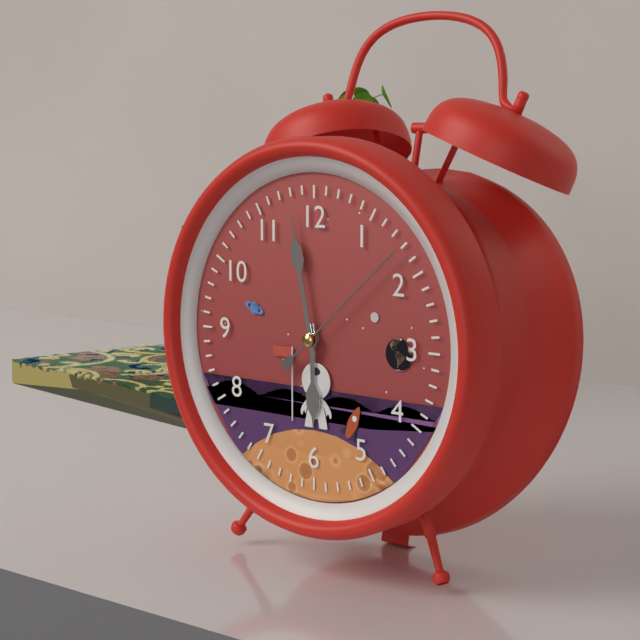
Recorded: {"hour": 5, "minute": 58, "second": 8}
